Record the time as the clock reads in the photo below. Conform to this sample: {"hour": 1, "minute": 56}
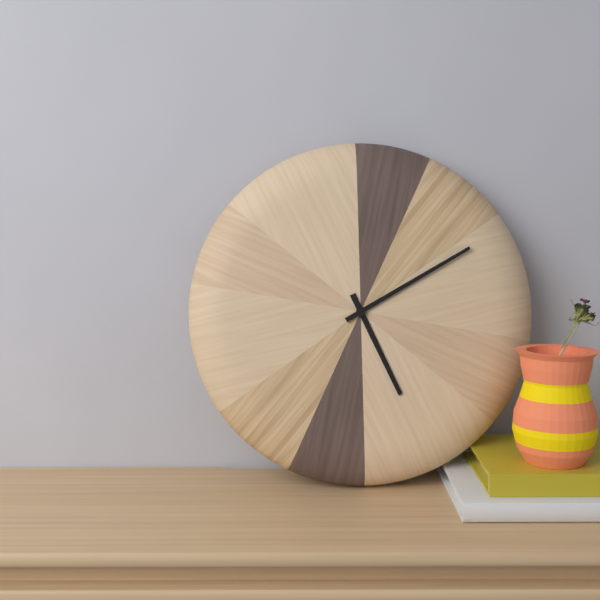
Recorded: {"hour": 5, "minute": 10}
